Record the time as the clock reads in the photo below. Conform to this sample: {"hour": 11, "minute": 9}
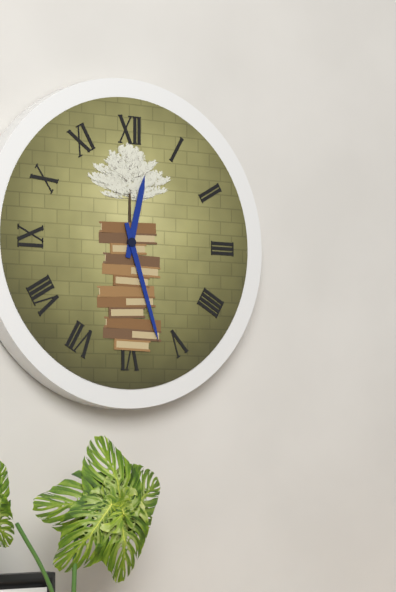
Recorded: {"hour": 12, "minute": 27}
